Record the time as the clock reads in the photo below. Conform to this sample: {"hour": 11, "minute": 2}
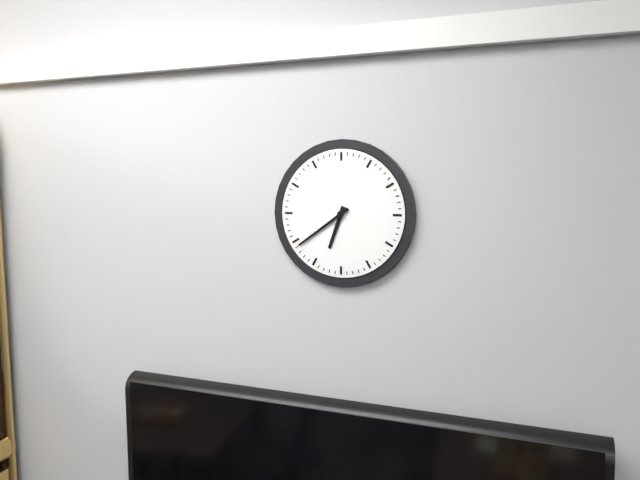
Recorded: {"hour": 6, "minute": 39}
